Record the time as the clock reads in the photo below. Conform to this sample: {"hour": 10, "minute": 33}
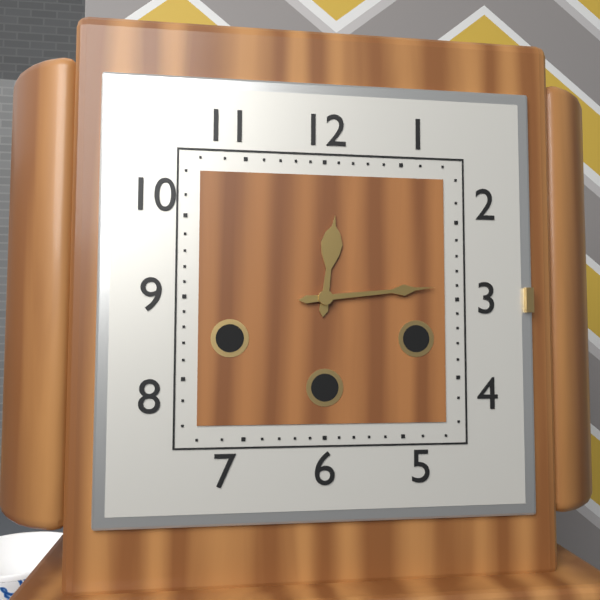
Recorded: {"hour": 12, "minute": 14}
